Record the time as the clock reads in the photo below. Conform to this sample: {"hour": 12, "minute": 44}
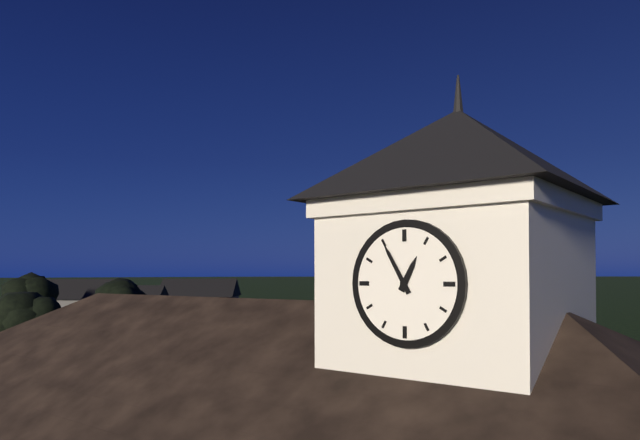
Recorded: {"hour": 12, "minute": 55}
